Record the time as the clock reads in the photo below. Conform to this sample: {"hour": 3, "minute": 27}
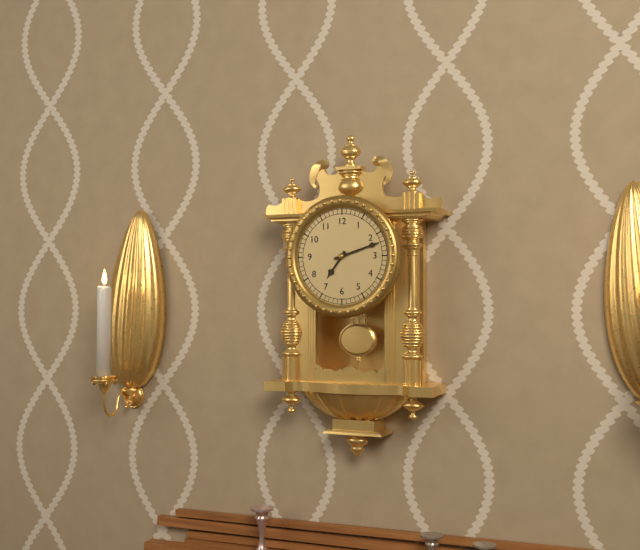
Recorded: {"hour": 7, "minute": 12}
